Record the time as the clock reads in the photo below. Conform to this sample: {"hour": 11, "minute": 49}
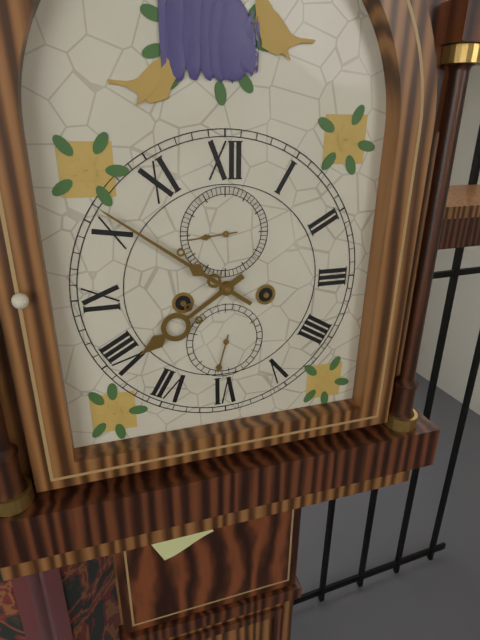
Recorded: {"hour": 7, "minute": 51}
